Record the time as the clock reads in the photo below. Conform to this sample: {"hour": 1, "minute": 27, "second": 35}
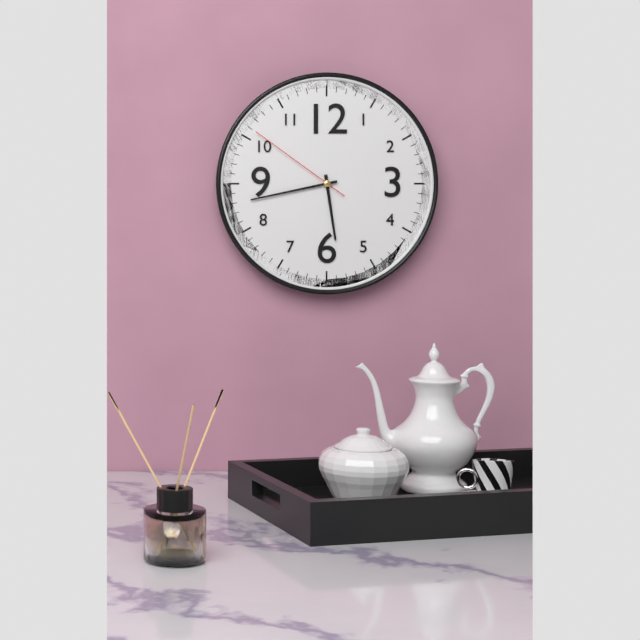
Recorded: {"hour": 5, "minute": 43, "second": 51}
